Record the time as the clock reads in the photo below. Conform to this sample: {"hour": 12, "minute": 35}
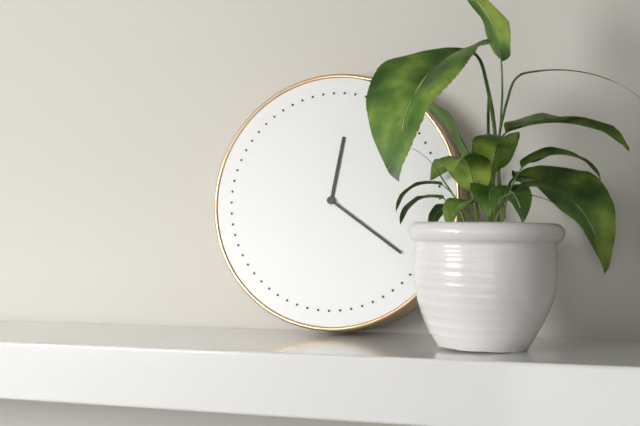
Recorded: {"hour": 12, "minute": 21}
